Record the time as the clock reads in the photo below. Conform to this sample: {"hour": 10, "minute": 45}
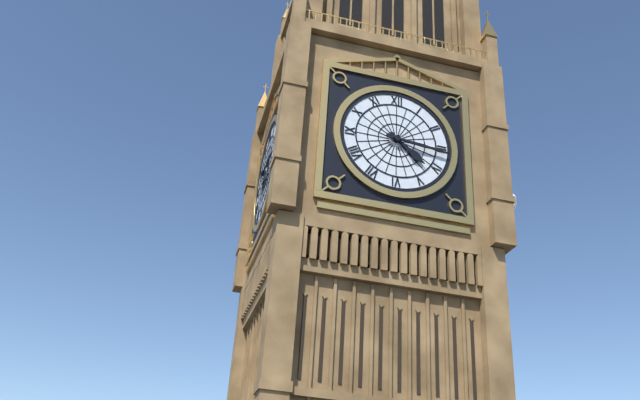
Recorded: {"hour": 4, "minute": 16}
